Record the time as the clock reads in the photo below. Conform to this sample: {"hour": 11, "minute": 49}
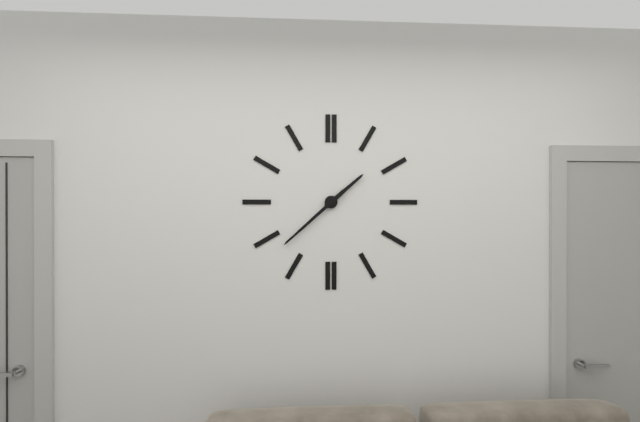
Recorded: {"hour": 1, "minute": 38}
